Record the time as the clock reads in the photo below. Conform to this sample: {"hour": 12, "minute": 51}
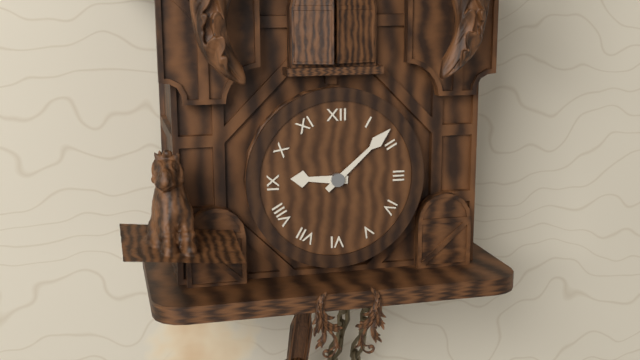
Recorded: {"hour": 9, "minute": 8}
